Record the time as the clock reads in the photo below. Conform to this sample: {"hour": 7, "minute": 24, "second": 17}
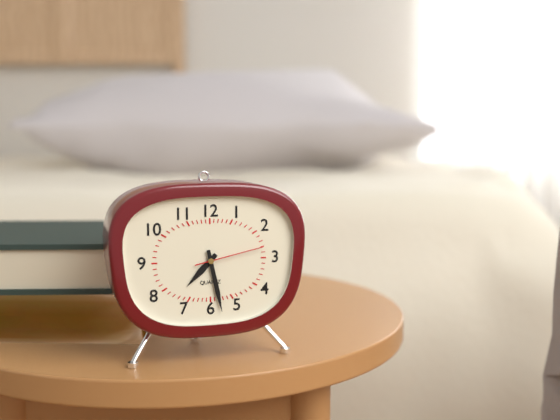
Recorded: {"hour": 7, "minute": 28, "second": 13}
